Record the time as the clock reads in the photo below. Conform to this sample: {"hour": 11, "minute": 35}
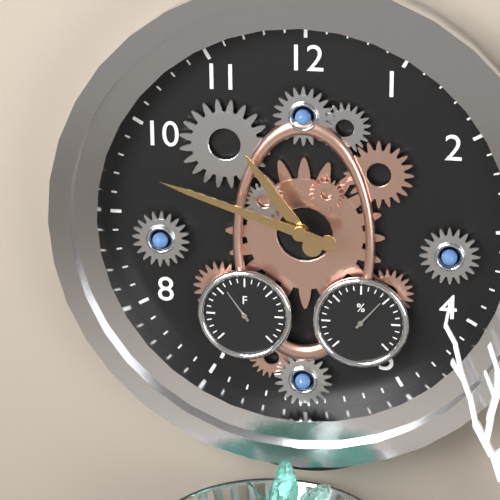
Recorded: {"hour": 10, "minute": 48}
